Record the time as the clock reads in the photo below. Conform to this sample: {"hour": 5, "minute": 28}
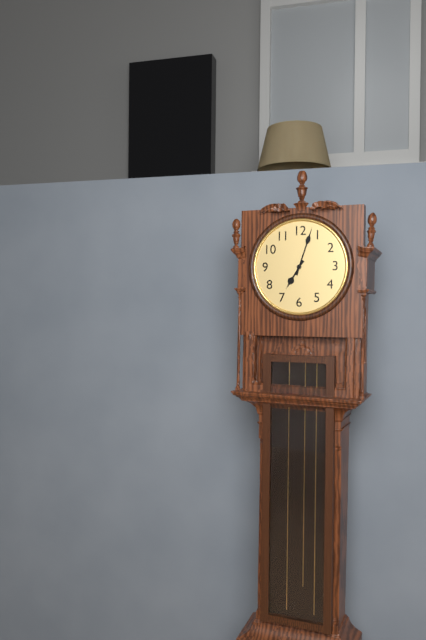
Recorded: {"hour": 7, "minute": 3}
